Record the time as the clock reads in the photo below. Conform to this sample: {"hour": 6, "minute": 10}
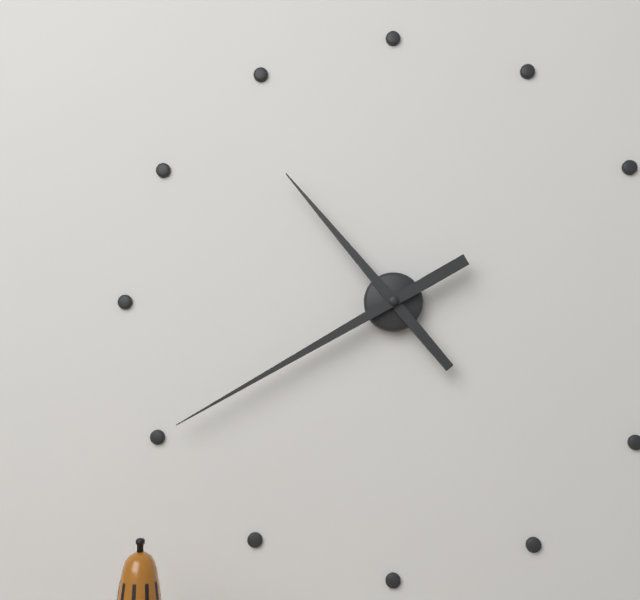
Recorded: {"hour": 10, "minute": 40}
